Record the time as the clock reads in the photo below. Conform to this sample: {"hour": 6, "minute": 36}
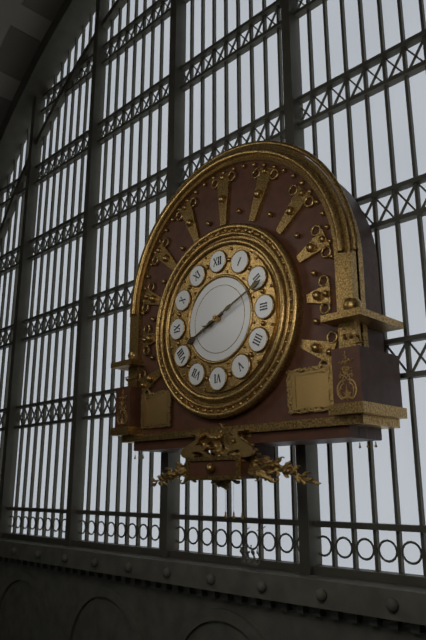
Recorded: {"hour": 8, "minute": 11}
